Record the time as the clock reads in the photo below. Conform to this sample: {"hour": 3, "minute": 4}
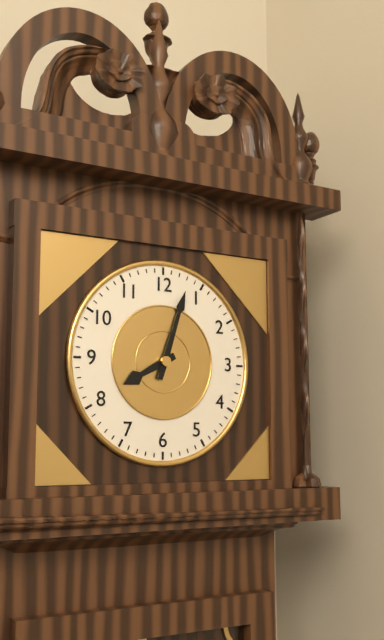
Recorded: {"hour": 8, "minute": 3}
